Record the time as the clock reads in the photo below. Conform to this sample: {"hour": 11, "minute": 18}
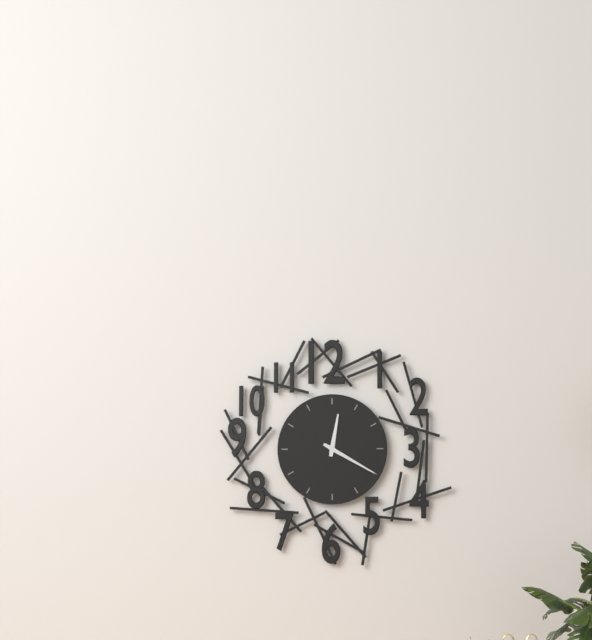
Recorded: {"hour": 12, "minute": 20}
